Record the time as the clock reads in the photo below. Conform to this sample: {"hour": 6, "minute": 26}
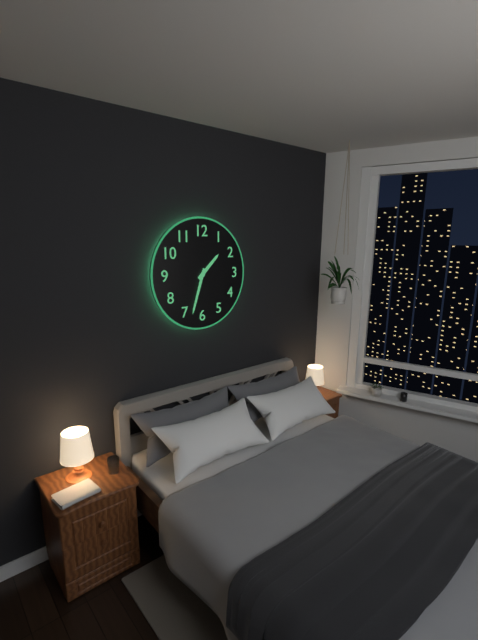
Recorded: {"hour": 1, "minute": 33}
